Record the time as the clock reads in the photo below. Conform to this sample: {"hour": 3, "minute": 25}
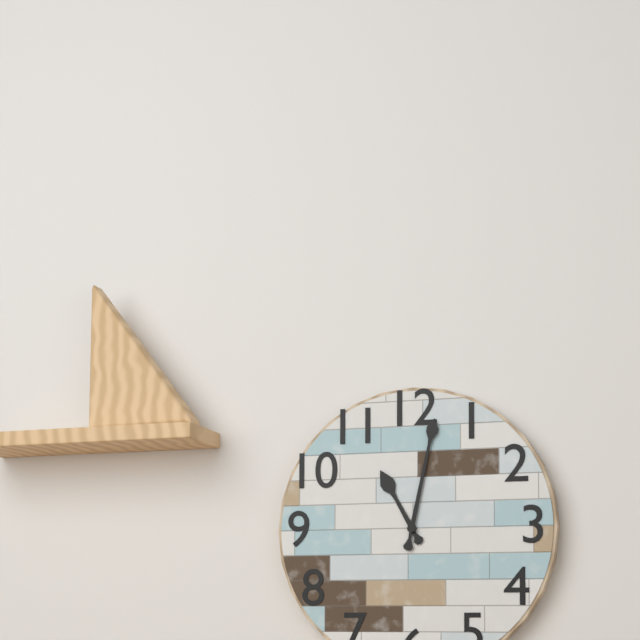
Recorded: {"hour": 11, "minute": 2}
